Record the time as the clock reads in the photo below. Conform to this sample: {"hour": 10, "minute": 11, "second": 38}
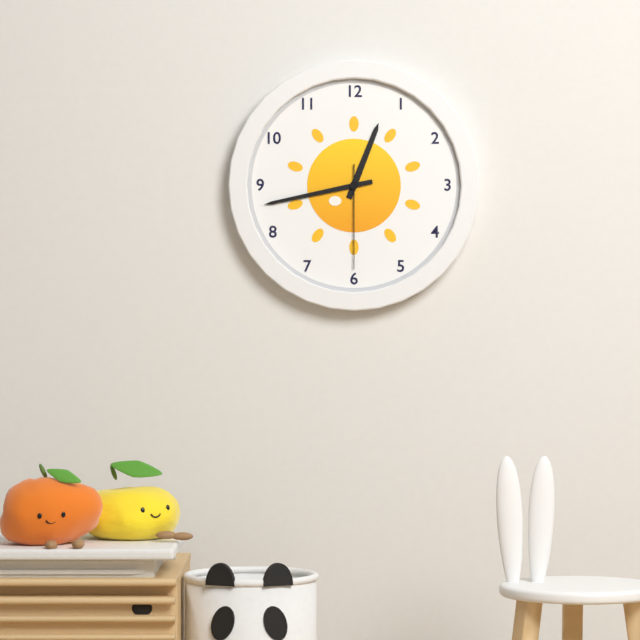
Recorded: {"hour": 12, "minute": 43, "second": 30}
